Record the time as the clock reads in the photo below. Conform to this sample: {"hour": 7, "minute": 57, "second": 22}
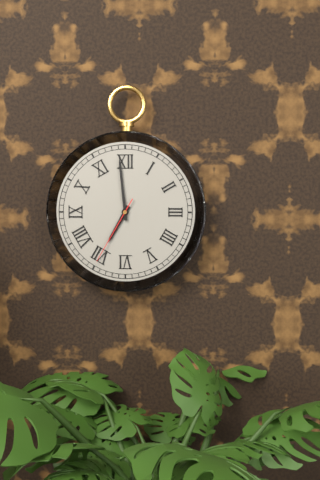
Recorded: {"hour": 6, "minute": 59, "second": 35}
